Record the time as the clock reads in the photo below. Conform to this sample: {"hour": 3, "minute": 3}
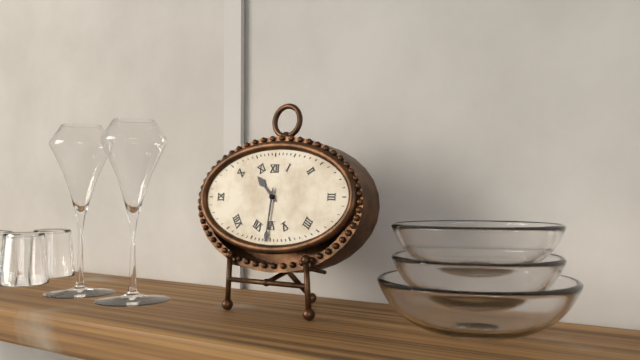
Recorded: {"hour": 10, "minute": 31}
